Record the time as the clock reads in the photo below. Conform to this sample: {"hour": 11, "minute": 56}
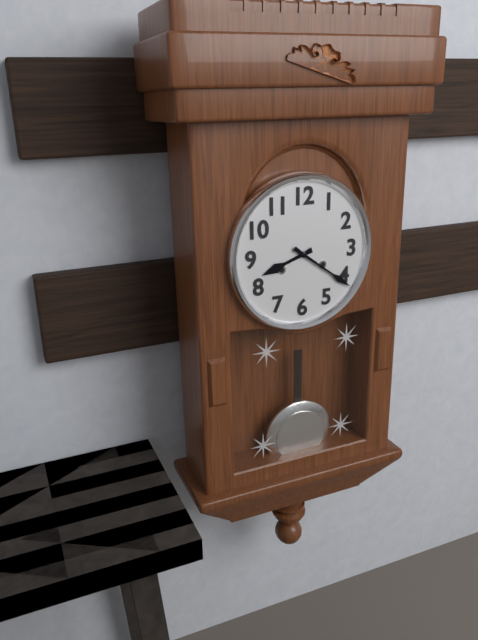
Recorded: {"hour": 8, "minute": 21}
